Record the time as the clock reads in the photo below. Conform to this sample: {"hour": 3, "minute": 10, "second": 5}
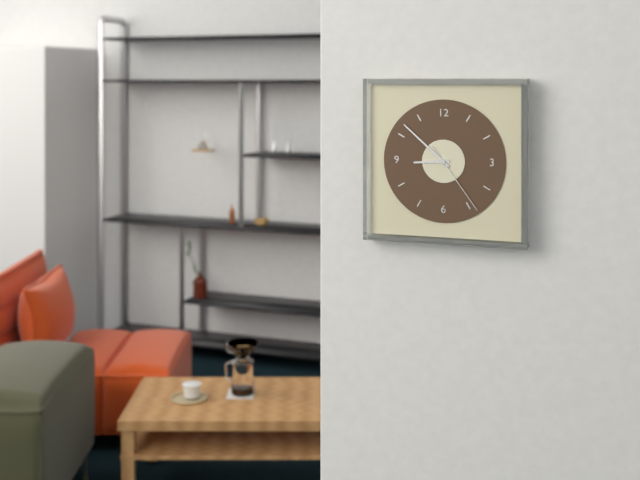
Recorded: {"hour": 8, "minute": 52, "second": 24}
